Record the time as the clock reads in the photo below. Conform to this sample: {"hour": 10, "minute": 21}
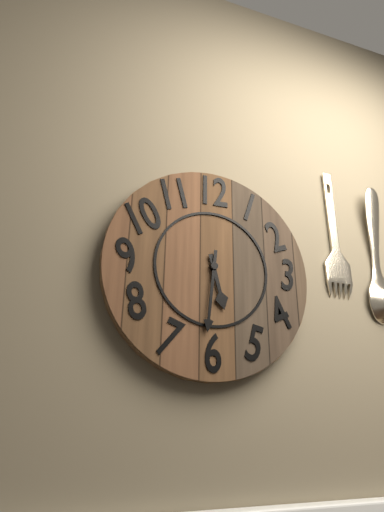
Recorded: {"hour": 5, "minute": 31}
